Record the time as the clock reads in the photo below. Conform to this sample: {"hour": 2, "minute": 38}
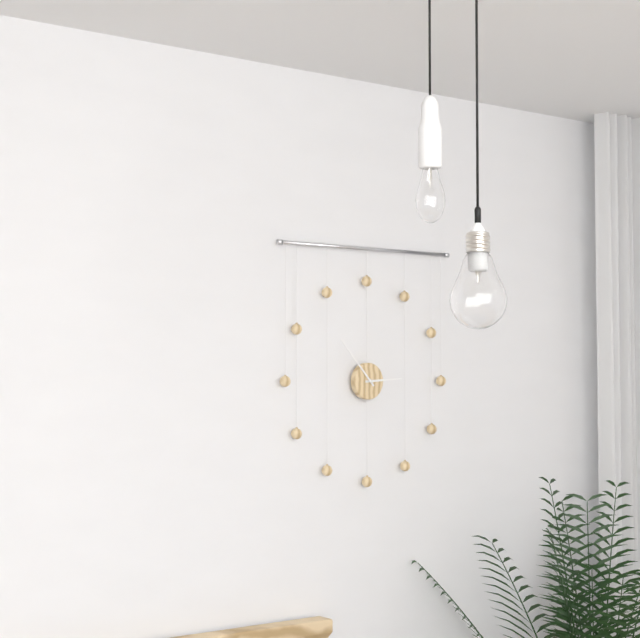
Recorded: {"hour": 2, "minute": 53}
